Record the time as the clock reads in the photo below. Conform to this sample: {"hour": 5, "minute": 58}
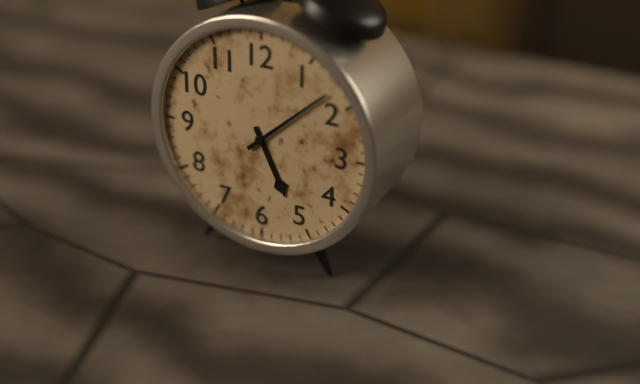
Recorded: {"hour": 5, "minute": 8}
